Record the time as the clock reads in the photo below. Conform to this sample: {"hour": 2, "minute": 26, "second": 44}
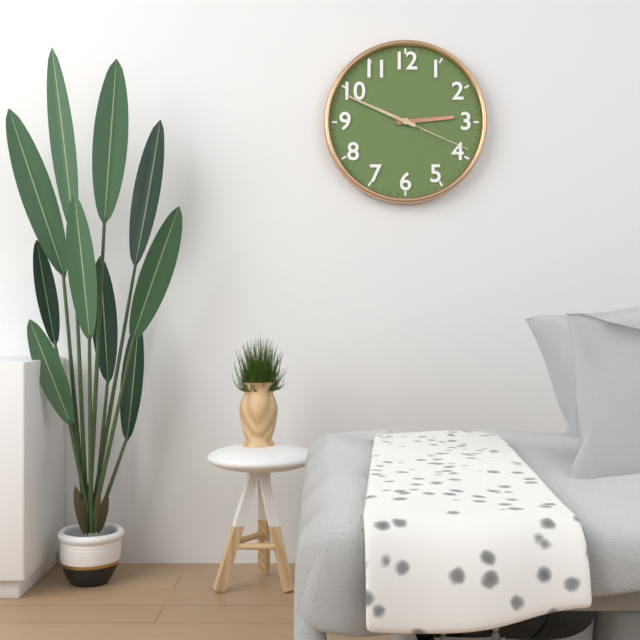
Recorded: {"hour": 2, "minute": 49, "second": 19}
